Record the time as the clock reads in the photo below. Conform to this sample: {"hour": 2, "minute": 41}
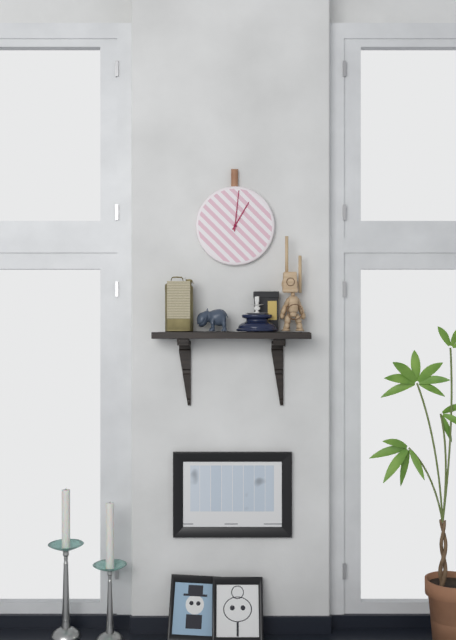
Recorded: {"hour": 1, "minute": 1}
